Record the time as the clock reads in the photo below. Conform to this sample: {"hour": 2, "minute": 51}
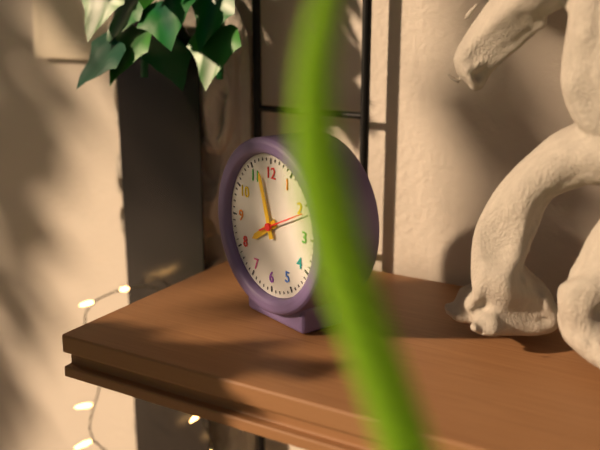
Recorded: {"hour": 7, "minute": 57}
